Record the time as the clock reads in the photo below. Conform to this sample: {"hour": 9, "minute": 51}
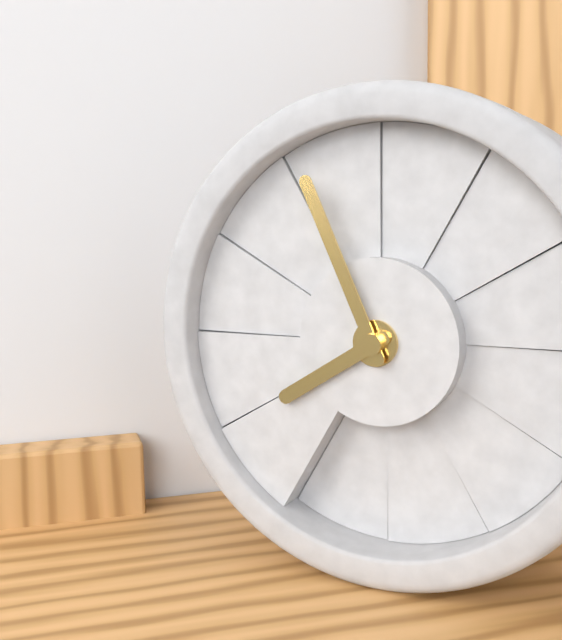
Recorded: {"hour": 7, "minute": 56}
